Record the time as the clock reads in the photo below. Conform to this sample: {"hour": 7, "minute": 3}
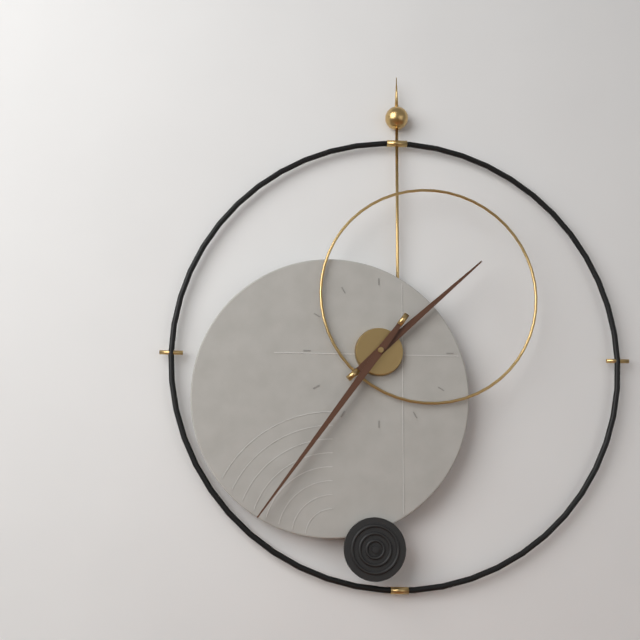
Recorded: {"hour": 1, "minute": 36}
